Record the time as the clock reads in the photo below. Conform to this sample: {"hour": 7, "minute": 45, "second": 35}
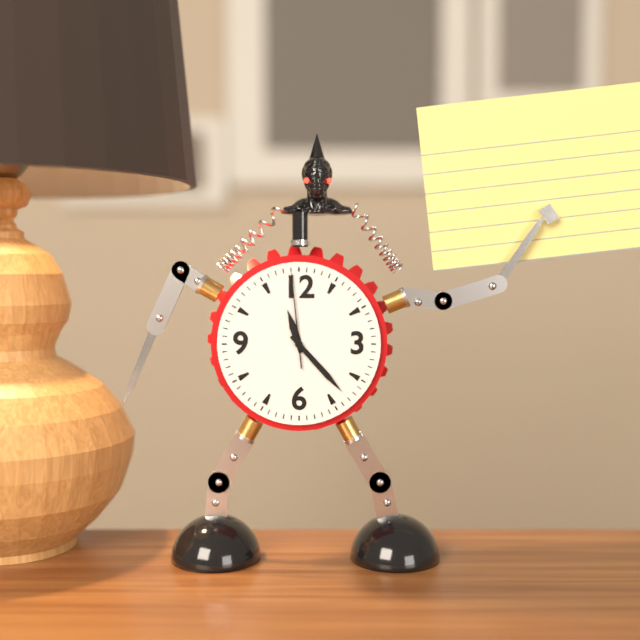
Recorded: {"hour": 11, "minute": 23, "second": 59}
